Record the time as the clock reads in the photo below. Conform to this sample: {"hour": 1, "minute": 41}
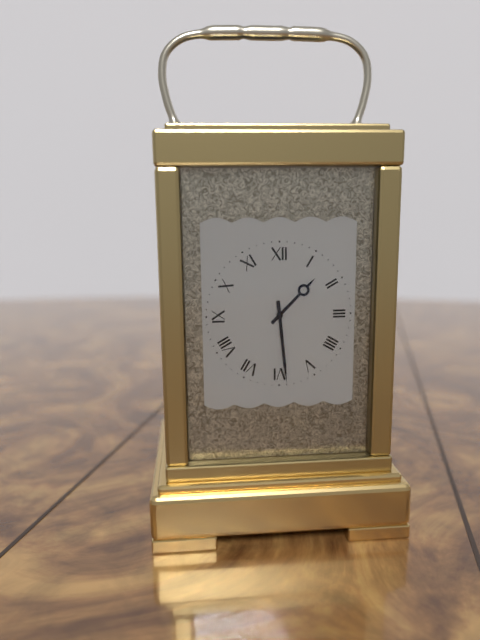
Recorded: {"hour": 1, "minute": 29}
